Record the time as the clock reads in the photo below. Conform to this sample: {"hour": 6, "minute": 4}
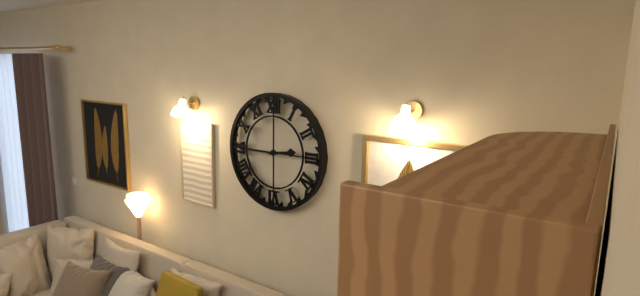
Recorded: {"hour": 2, "minute": 45}
